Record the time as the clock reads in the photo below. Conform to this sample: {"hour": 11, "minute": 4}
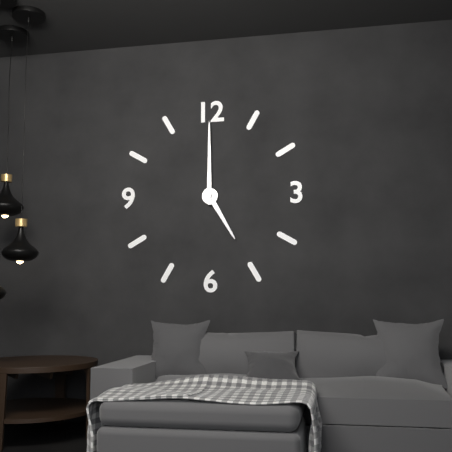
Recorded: {"hour": 5, "minute": 0}
